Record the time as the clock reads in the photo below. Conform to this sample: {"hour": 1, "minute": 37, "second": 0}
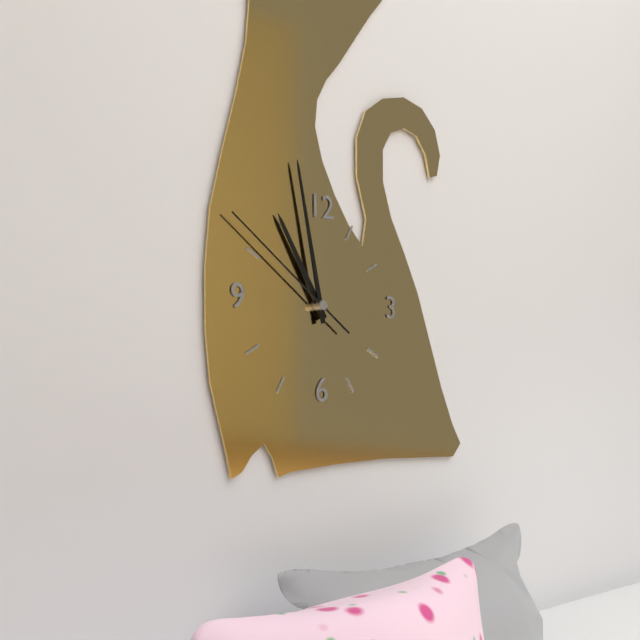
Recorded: {"hour": 10, "minute": 58, "second": 51}
